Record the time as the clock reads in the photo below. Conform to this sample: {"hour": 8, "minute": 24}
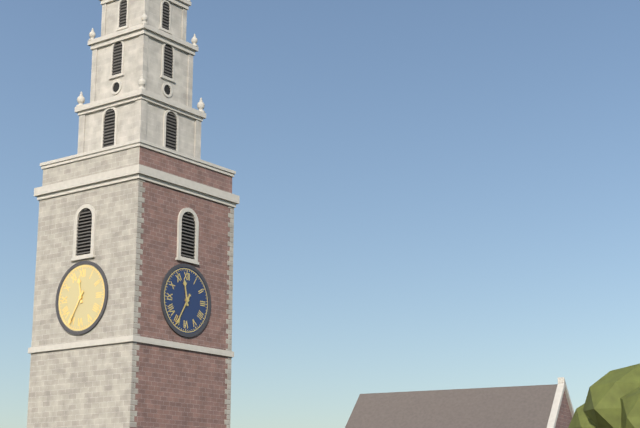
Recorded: {"hour": 11, "minute": 35}
